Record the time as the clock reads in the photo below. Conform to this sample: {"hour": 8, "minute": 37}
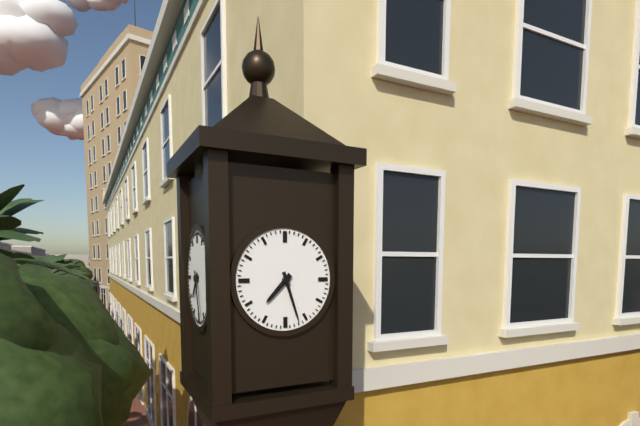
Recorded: {"hour": 7, "minute": 27}
